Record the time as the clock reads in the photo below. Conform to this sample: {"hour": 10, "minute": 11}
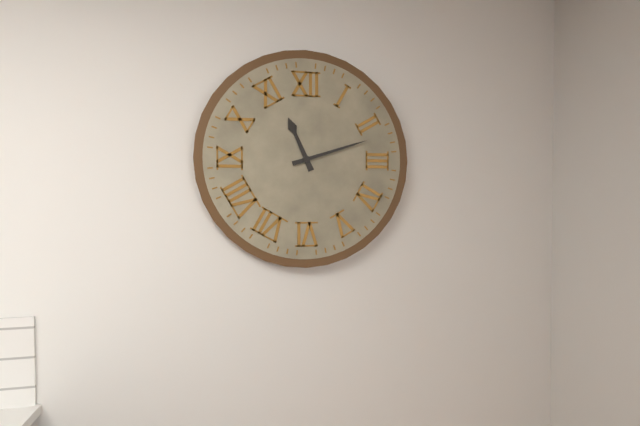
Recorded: {"hour": 11, "minute": 12}
